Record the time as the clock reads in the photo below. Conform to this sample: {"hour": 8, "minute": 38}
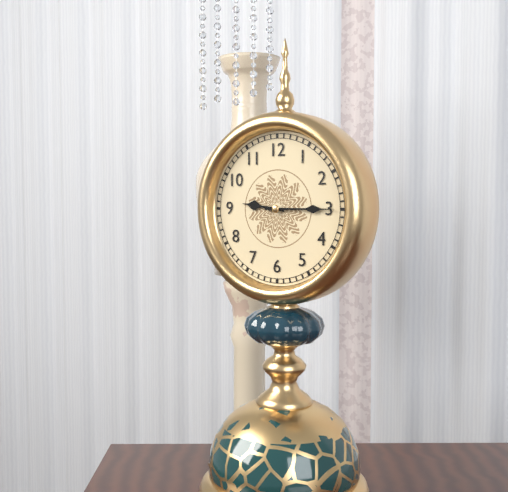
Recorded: {"hour": 9, "minute": 15}
